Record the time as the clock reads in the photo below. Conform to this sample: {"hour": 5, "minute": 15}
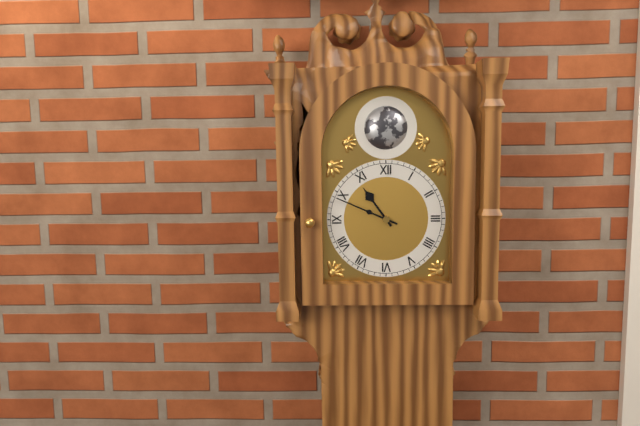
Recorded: {"hour": 10, "minute": 49}
